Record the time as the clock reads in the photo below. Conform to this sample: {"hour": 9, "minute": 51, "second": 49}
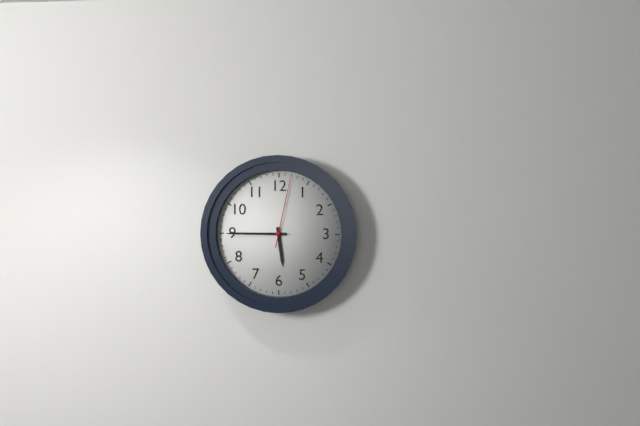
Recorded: {"hour": 5, "minute": 45, "second": 2}
